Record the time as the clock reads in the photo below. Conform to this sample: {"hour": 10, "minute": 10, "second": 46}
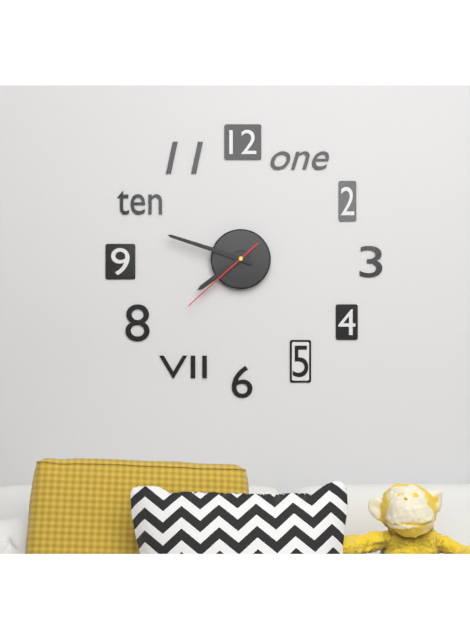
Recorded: {"hour": 7, "minute": 48, "second": 38}
